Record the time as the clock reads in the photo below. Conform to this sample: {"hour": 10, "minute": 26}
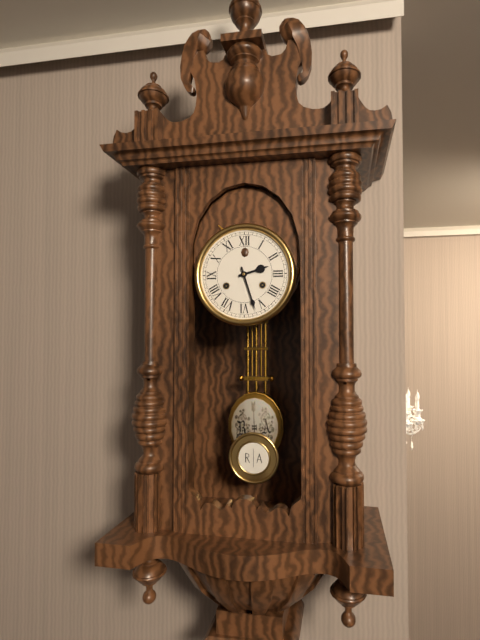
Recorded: {"hour": 2, "minute": 27}
